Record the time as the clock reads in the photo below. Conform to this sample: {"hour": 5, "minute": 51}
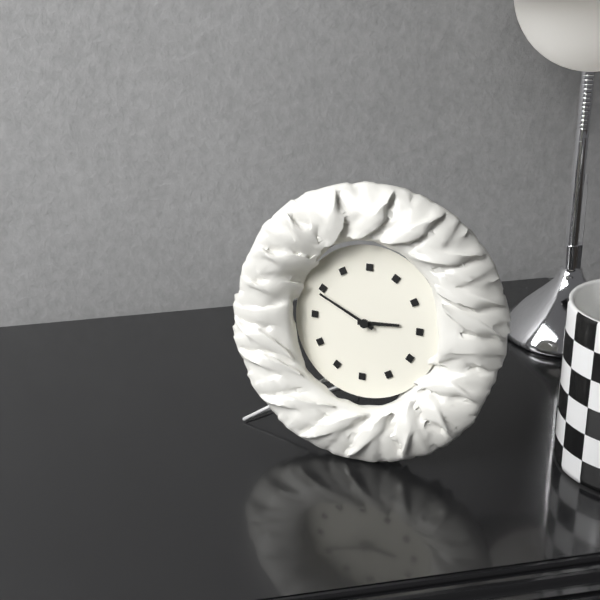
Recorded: {"hour": 2, "minute": 49}
